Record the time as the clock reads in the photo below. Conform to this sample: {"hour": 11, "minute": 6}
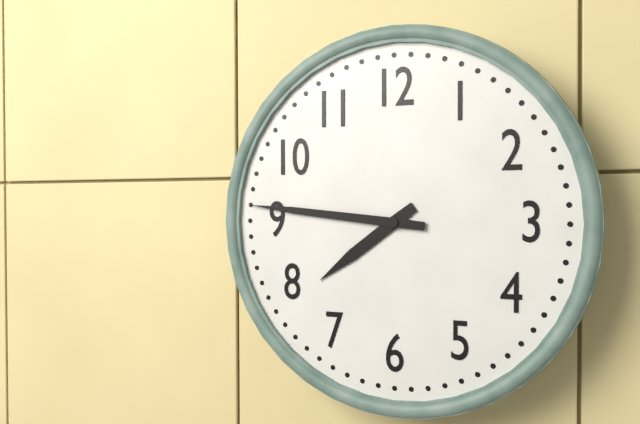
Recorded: {"hour": 7, "minute": 46}
